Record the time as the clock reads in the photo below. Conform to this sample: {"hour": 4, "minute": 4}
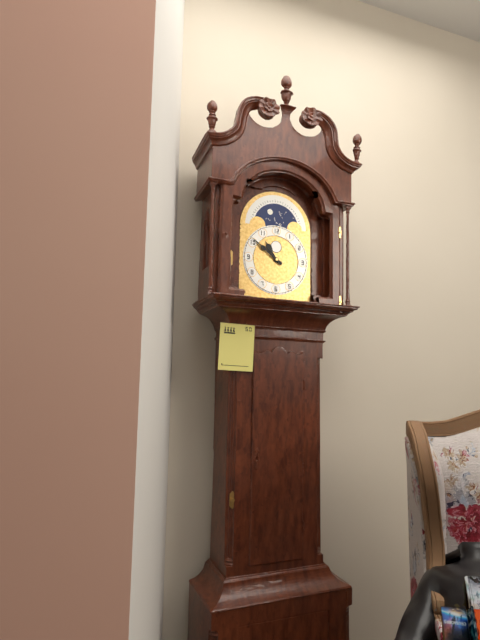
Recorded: {"hour": 10, "minute": 51}
